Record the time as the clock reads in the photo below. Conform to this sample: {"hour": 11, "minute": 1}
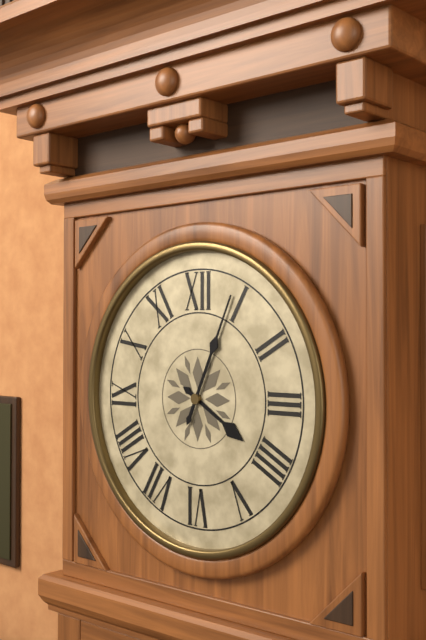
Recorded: {"hour": 4, "minute": 4}
